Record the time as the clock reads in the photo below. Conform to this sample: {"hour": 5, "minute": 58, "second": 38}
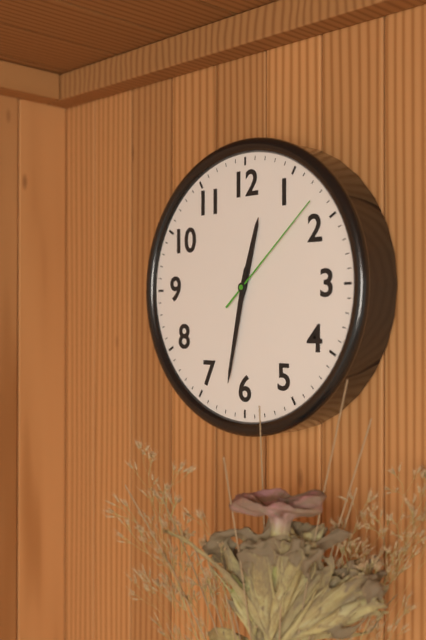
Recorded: {"hour": 12, "minute": 32, "second": 8}
